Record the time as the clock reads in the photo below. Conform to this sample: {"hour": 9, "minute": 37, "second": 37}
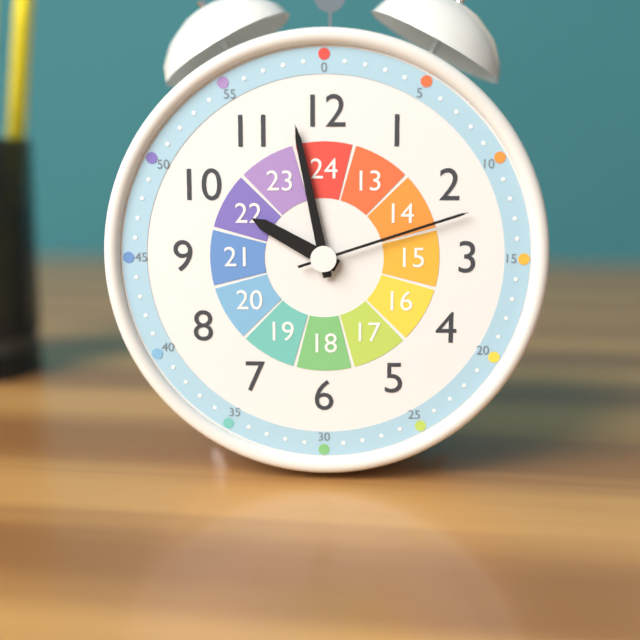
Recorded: {"hour": 9, "minute": 58, "second": 12}
